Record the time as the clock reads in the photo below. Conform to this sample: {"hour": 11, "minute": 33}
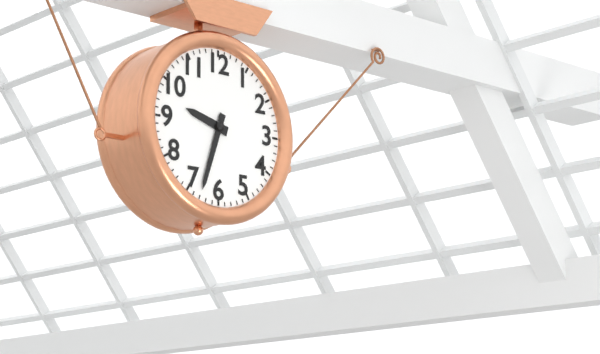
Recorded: {"hour": 9, "minute": 33}
